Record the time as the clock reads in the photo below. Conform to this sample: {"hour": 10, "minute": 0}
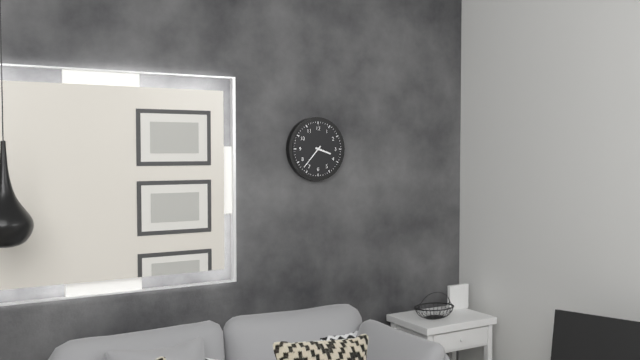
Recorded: {"hour": 3, "minute": 37}
